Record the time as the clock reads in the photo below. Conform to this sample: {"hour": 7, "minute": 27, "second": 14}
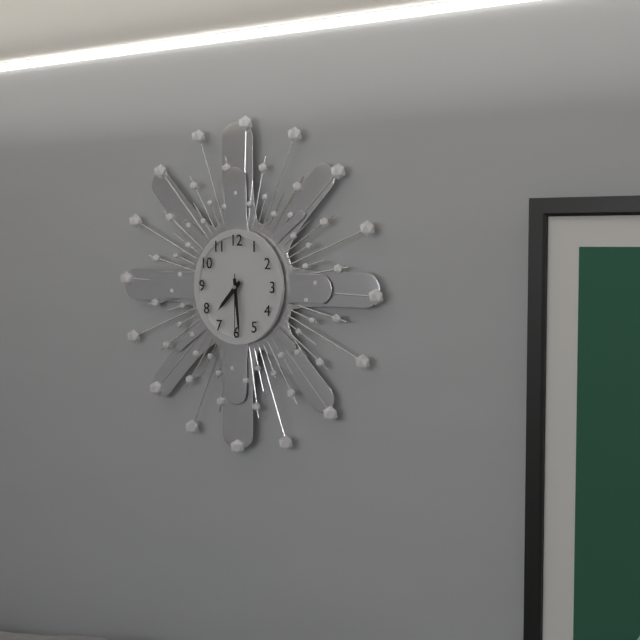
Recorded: {"hour": 7, "minute": 29, "second": 30}
